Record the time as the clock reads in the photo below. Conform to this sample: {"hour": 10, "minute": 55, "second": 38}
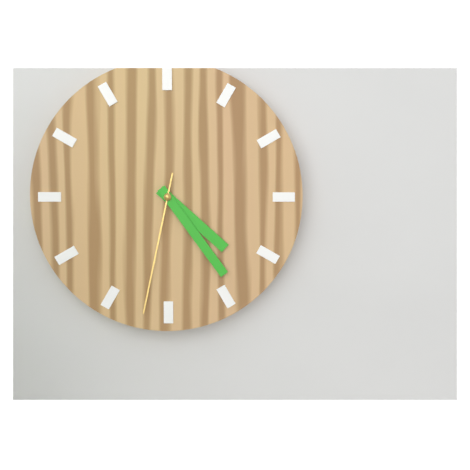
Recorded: {"hour": 4, "minute": 24, "second": 32}
